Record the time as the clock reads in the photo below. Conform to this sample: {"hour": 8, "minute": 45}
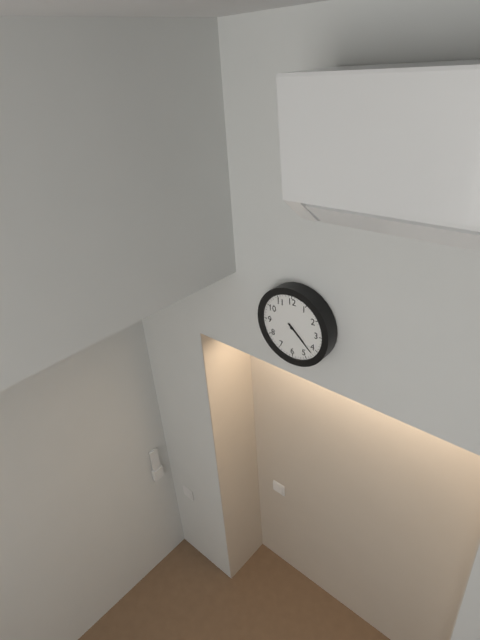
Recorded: {"hour": 4, "minute": 22}
